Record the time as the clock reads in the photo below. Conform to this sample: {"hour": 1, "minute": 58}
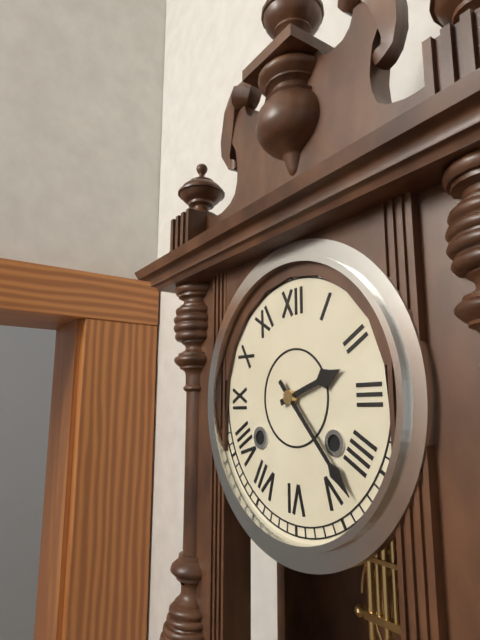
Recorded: {"hour": 2, "minute": 23}
